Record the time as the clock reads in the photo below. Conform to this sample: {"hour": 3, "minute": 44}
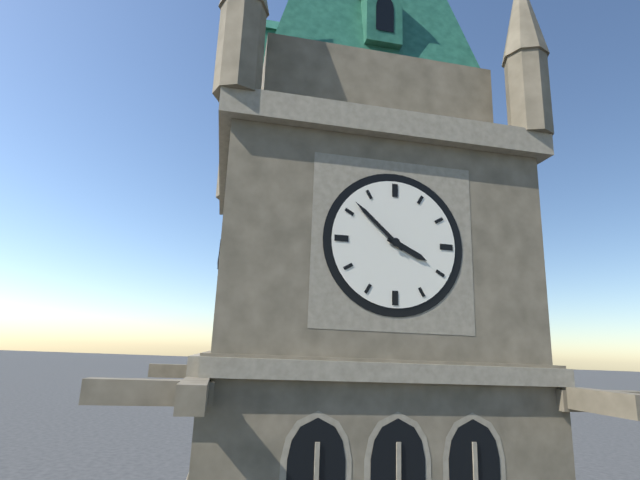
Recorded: {"hour": 3, "minute": 52}
